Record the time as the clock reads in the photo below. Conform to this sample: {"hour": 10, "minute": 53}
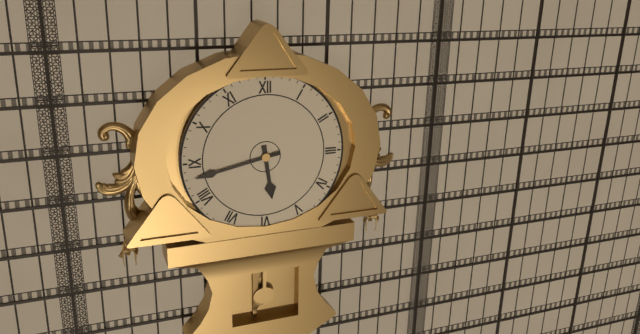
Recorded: {"hour": 5, "minute": 43}
